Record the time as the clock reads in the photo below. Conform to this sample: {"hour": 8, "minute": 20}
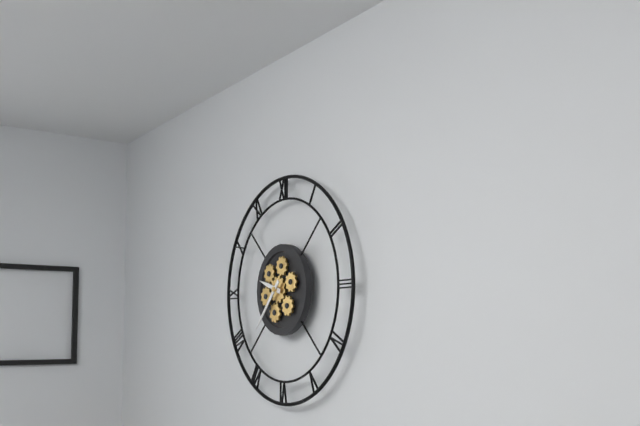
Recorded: {"hour": 9, "minute": 37}
